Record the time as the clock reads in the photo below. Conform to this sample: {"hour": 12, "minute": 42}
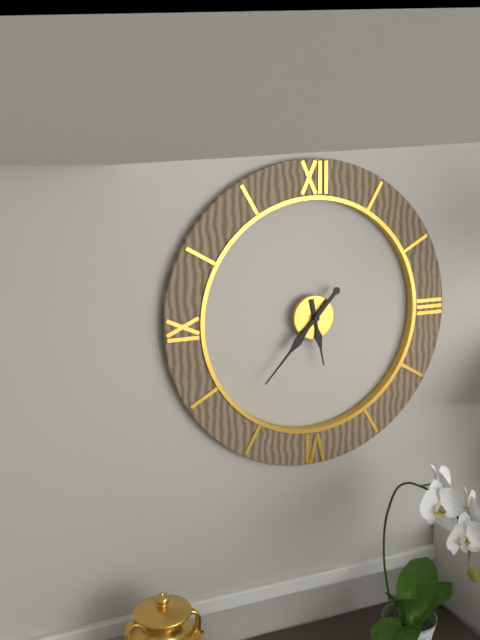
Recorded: {"hour": 5, "minute": 37}
